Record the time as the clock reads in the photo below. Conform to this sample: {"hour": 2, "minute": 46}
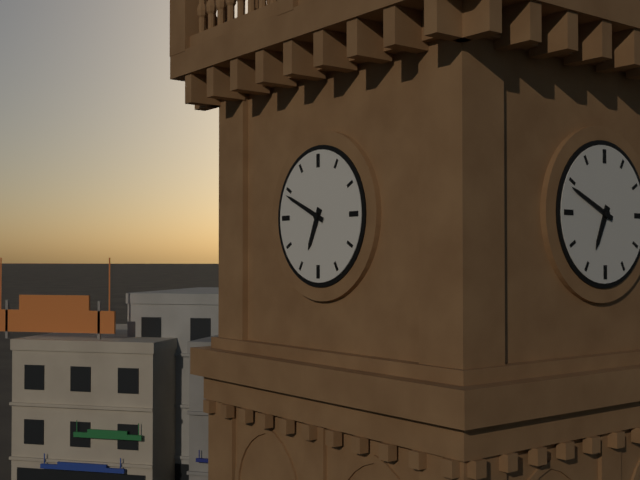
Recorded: {"hour": 6, "minute": 49}
